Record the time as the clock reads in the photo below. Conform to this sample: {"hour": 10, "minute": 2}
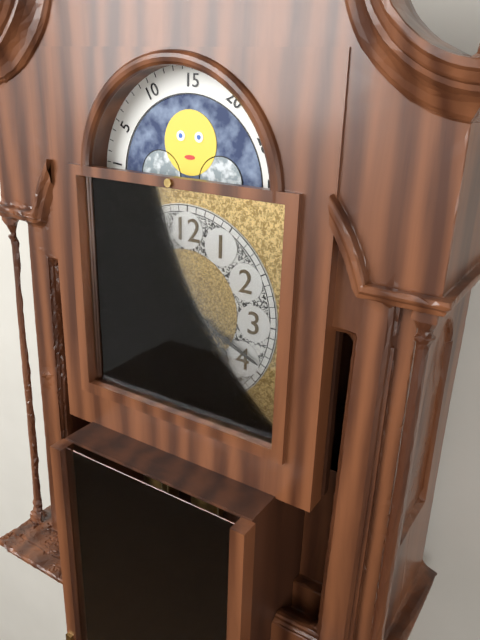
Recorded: {"hour": 4, "minute": 19}
